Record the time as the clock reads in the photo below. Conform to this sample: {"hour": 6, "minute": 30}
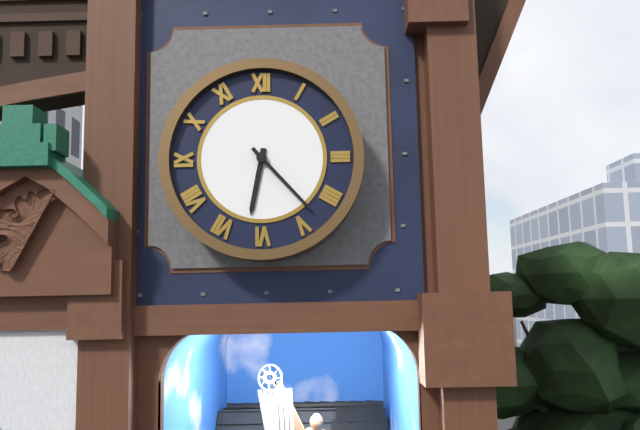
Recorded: {"hour": 6, "minute": 23}
